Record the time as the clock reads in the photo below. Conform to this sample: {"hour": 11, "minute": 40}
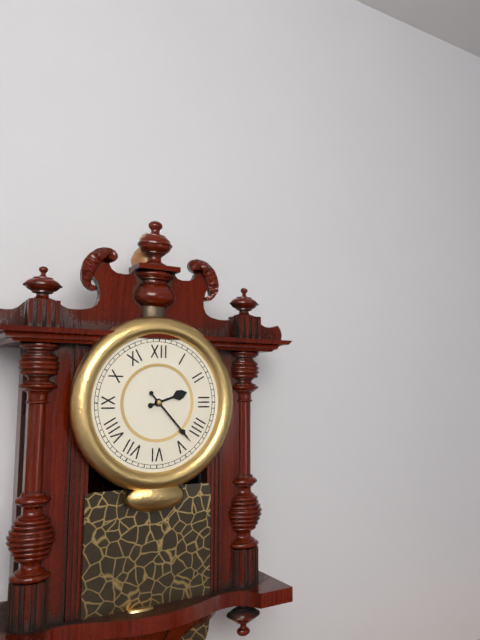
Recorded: {"hour": 2, "minute": 23}
